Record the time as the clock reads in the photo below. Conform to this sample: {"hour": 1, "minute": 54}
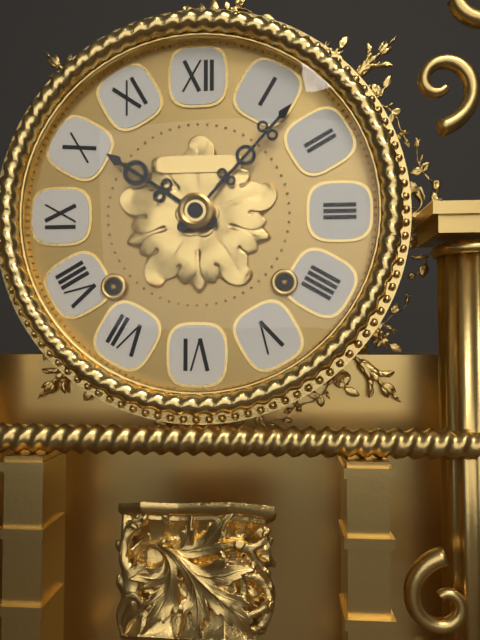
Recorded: {"hour": 10, "minute": 7}
